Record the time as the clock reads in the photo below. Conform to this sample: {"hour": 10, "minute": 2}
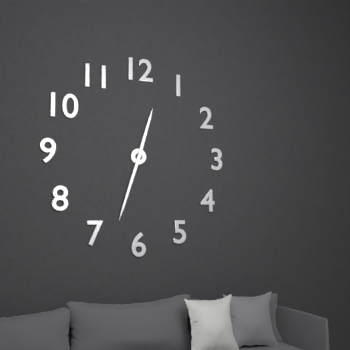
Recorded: {"hour": 12, "minute": 33}
